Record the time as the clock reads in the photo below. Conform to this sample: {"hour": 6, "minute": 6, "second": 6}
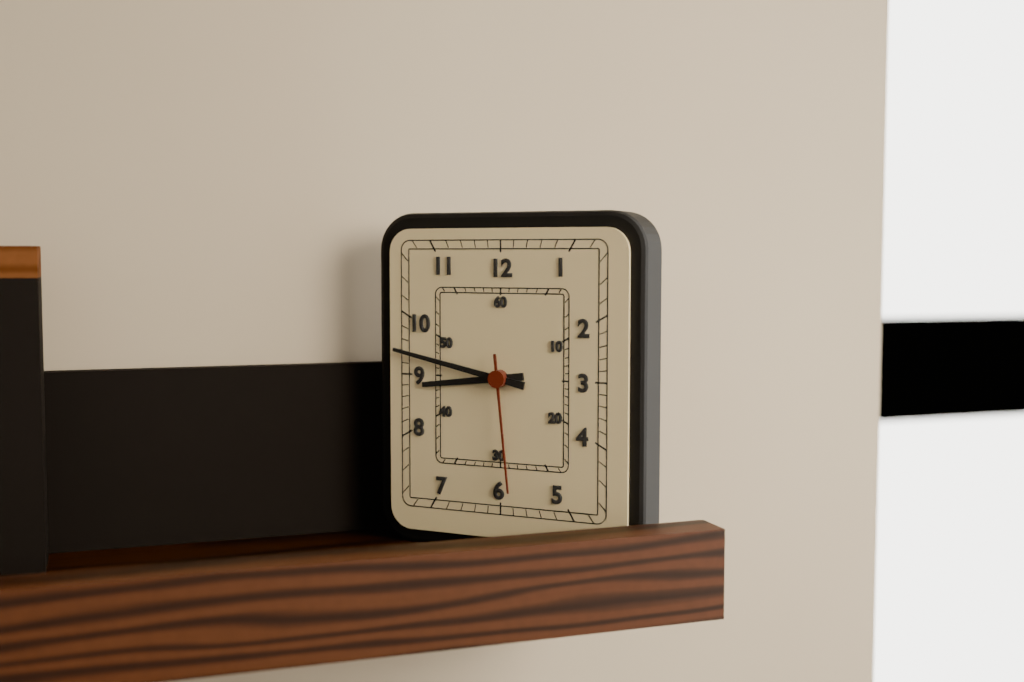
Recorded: {"hour": 8, "minute": 47, "second": 29}
